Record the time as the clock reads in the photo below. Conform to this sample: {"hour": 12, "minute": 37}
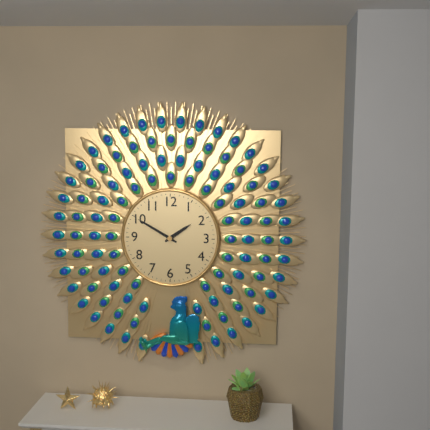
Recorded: {"hour": 1, "minute": 50}
